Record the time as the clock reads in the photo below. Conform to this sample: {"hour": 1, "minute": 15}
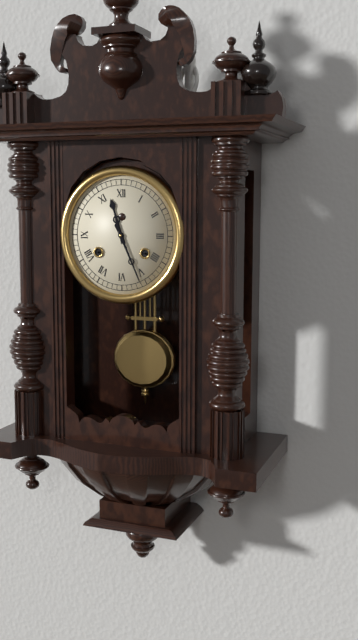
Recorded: {"hour": 11, "minute": 26}
